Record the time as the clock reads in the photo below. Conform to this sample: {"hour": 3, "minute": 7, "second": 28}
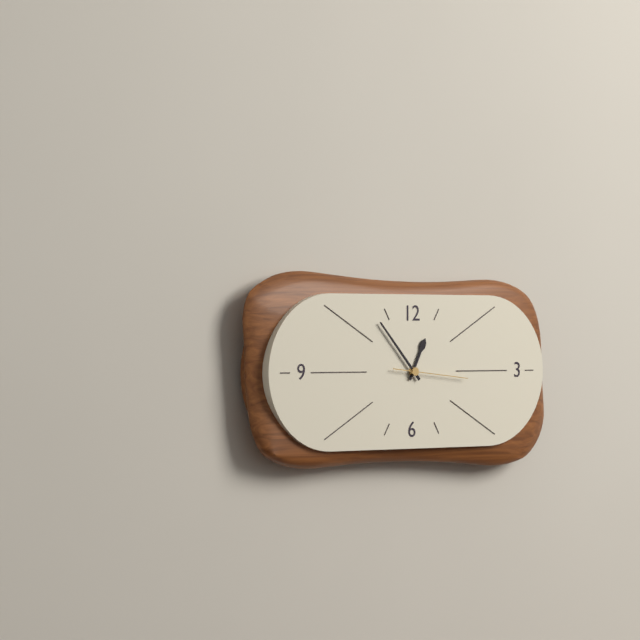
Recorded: {"hour": 12, "minute": 53, "second": 16}
